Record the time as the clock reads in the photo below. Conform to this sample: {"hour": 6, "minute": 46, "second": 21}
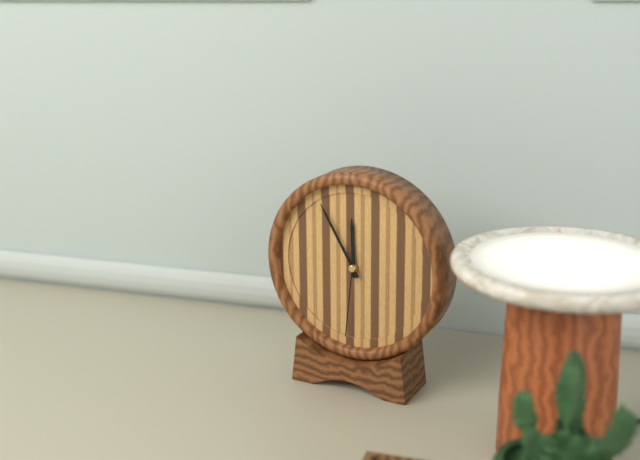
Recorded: {"hour": 11, "minute": 55, "second": 31}
